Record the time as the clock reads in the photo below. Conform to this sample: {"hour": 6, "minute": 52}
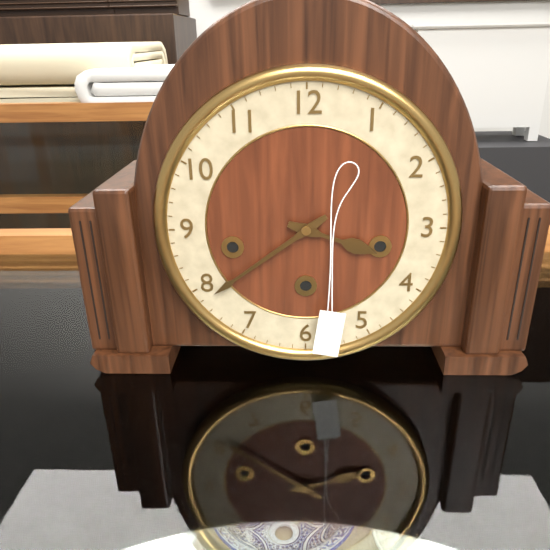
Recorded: {"hour": 3, "minute": 39}
